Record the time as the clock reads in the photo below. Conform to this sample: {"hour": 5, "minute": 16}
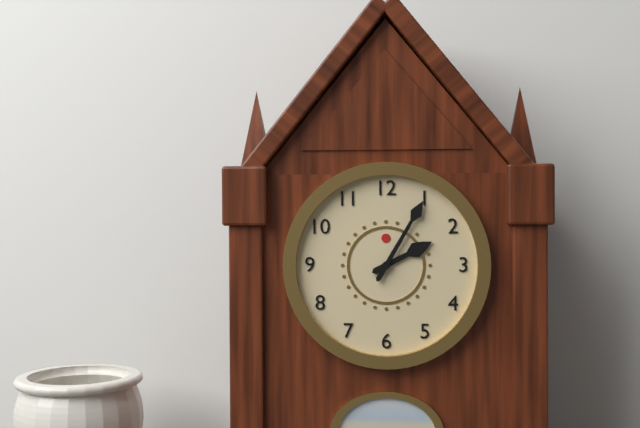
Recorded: {"hour": 2, "minute": 5}
